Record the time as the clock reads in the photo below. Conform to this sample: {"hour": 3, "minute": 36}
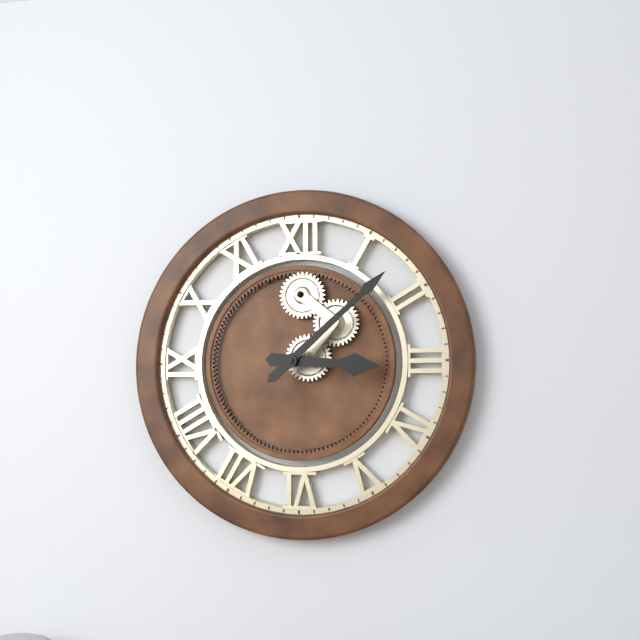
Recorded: {"hour": 3, "minute": 8}
